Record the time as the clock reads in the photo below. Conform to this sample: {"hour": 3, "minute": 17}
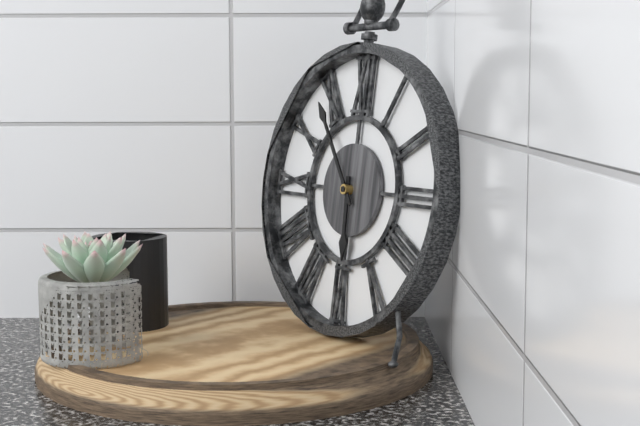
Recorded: {"hour": 5, "minute": 54}
